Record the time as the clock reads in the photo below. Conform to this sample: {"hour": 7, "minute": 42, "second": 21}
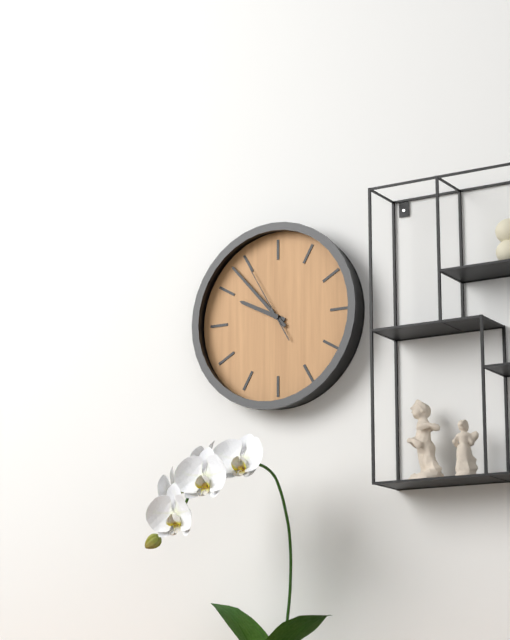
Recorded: {"hour": 9, "minute": 53, "second": 55}
